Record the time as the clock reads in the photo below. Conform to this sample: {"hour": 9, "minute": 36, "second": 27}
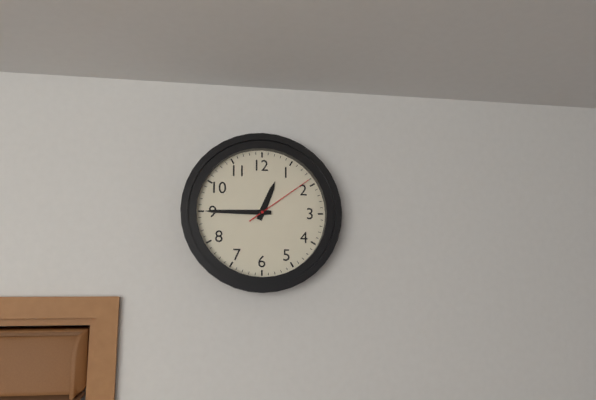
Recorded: {"hour": 12, "minute": 45, "second": 9}
